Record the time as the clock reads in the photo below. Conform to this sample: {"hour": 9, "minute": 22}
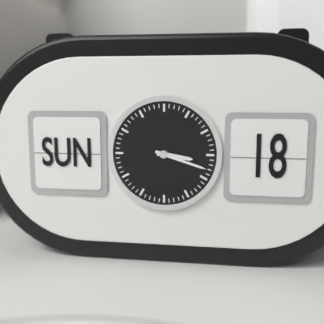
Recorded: {"hour": 3, "minute": 18}
